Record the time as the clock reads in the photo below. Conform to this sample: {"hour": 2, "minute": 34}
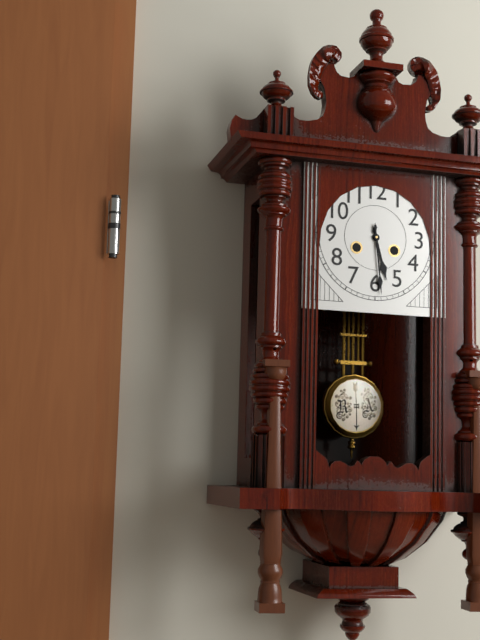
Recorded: {"hour": 5, "minute": 29}
